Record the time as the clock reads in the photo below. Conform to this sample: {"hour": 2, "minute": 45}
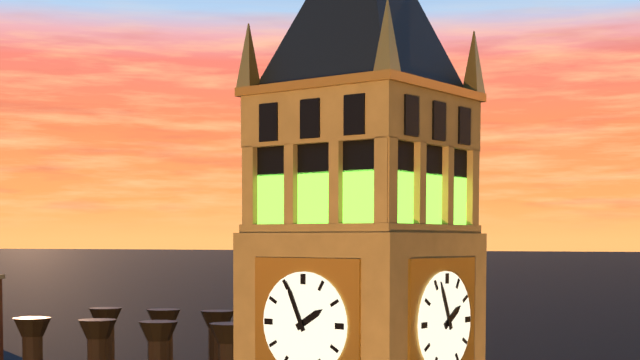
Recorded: {"hour": 1, "minute": 56}
